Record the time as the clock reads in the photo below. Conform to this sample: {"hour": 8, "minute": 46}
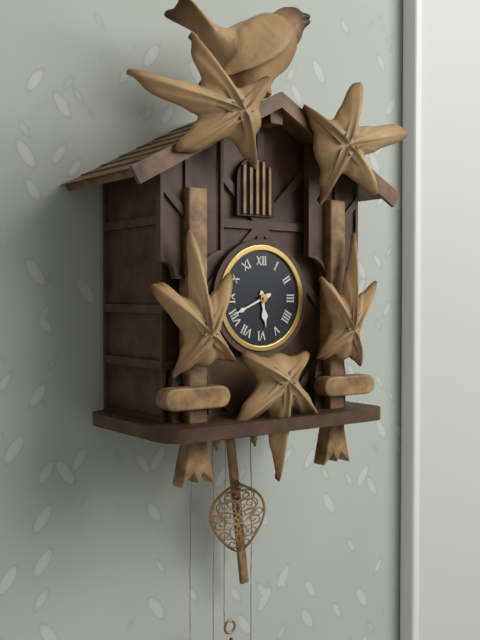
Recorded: {"hour": 5, "minute": 41}
